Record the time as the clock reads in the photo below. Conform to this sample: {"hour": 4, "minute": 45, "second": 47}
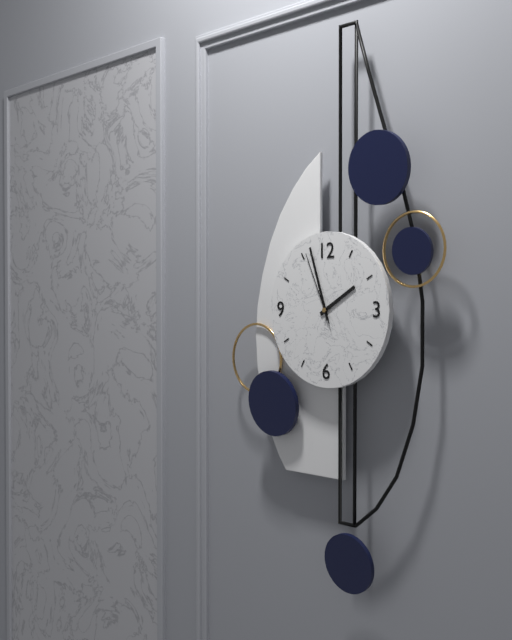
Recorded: {"hour": 1, "minute": 57, "second": 56}
